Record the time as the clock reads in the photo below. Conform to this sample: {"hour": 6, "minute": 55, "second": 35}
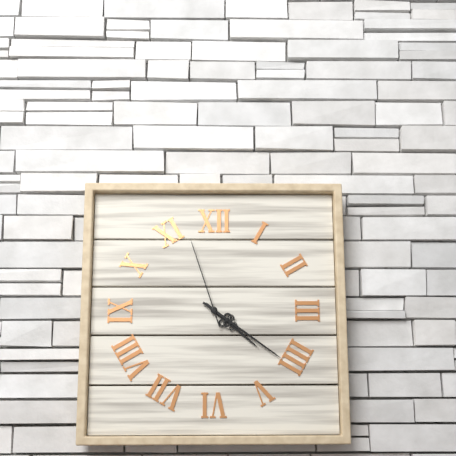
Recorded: {"hour": 4, "minute": 21, "second": 57}
